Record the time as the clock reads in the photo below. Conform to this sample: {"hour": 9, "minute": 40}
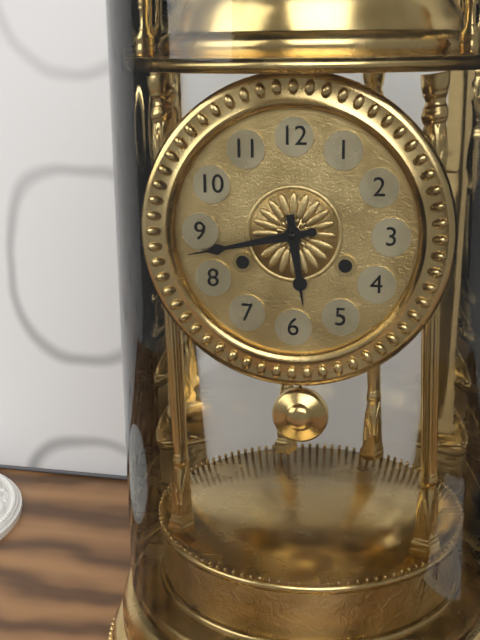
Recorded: {"hour": 5, "minute": 43}
